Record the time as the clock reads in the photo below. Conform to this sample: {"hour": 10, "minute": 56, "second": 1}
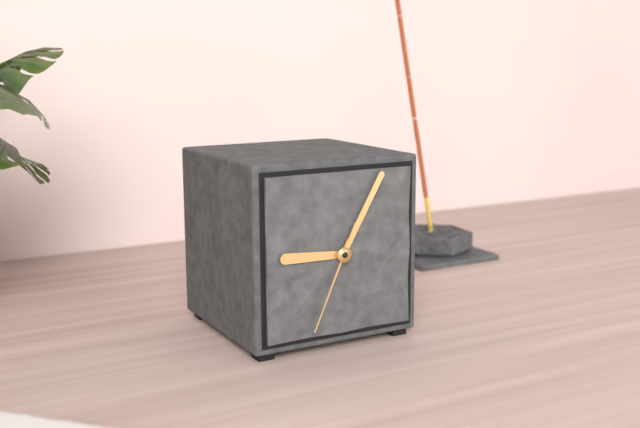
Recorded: {"hour": 9, "minute": 5, "second": 34}
